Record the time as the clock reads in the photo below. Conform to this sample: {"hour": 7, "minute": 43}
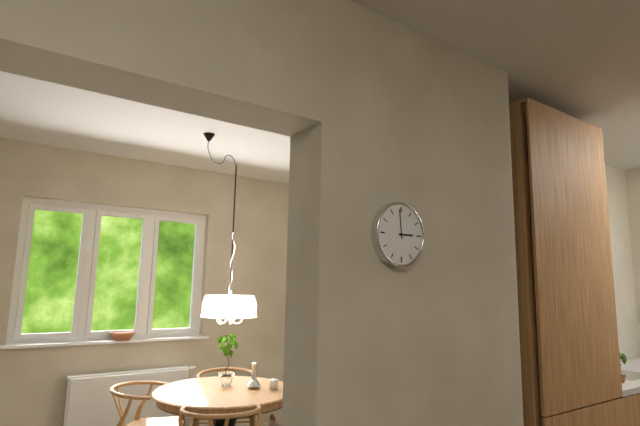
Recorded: {"hour": 2, "minute": 59}
